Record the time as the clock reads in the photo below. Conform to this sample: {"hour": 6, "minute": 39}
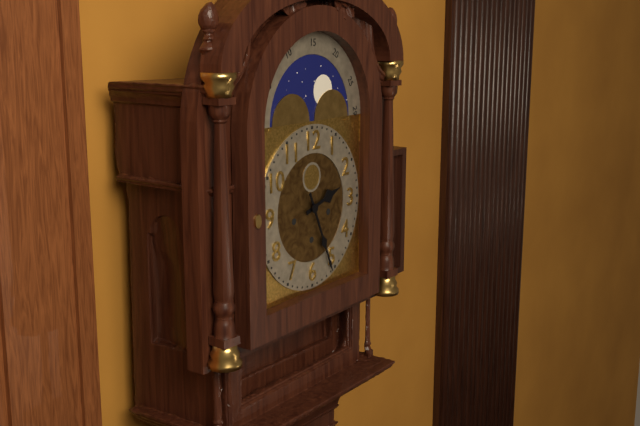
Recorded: {"hour": 2, "minute": 26}
